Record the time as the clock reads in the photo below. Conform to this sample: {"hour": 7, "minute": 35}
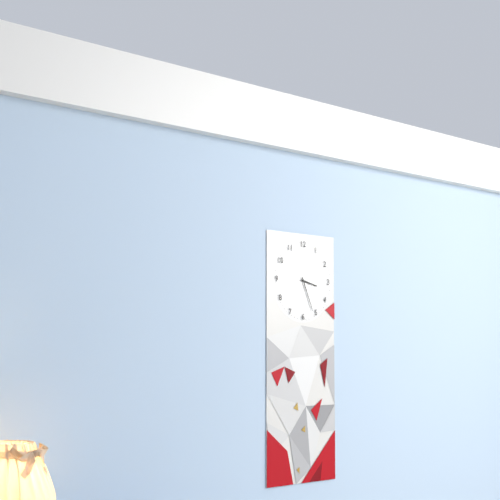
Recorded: {"hour": 3, "minute": 26}
